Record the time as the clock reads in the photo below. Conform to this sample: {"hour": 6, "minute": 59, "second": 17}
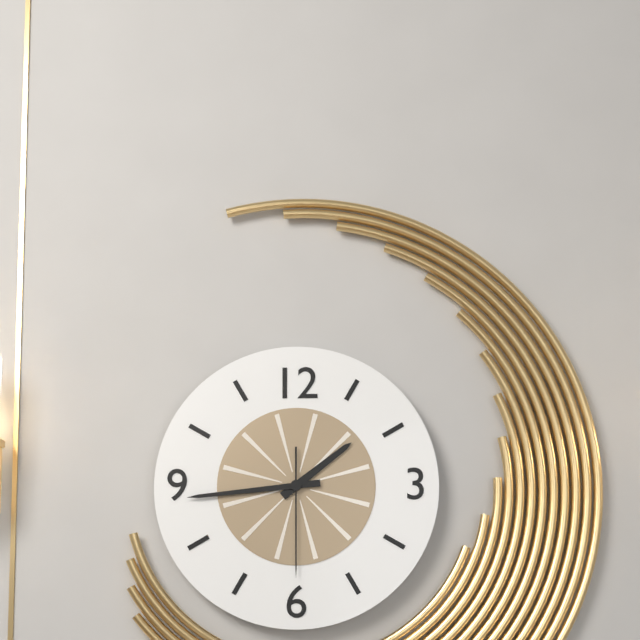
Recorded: {"hour": 1, "minute": 44, "second": 30}
